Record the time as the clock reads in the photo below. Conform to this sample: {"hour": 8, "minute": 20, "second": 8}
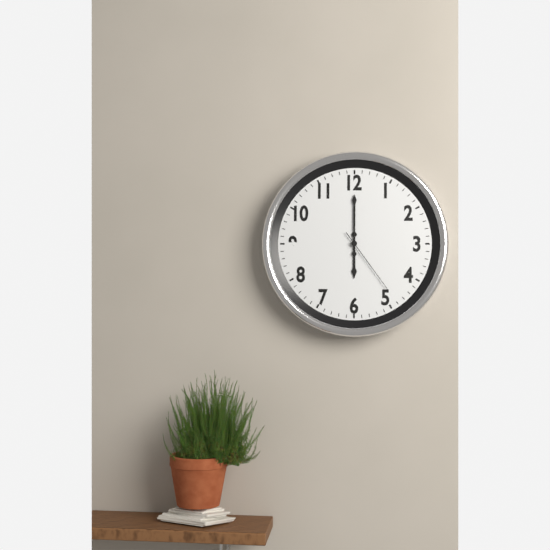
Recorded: {"hour": 6, "minute": 0, "second": 24}
